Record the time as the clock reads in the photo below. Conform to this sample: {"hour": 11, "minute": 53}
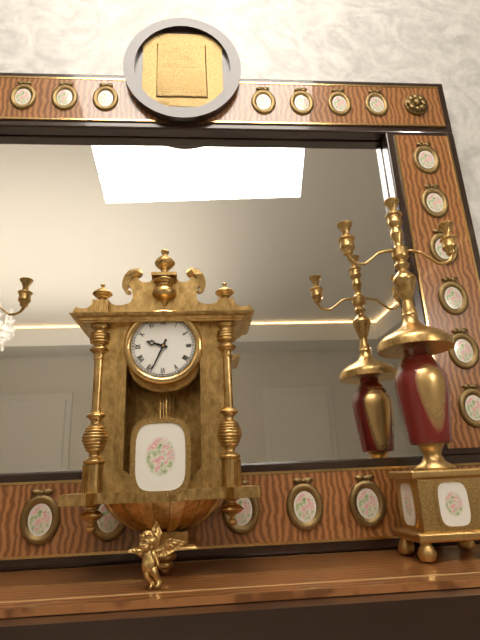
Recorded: {"hour": 9, "minute": 34}
